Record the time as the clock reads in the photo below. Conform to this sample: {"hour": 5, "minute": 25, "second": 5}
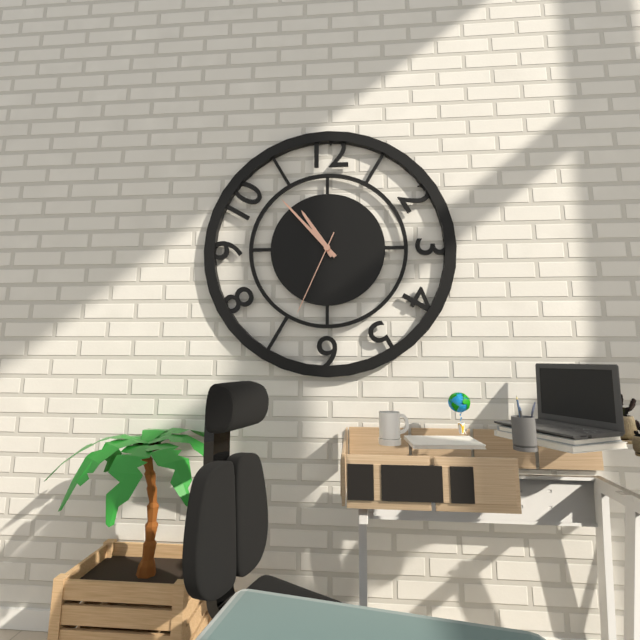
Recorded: {"hour": 10, "minute": 53, "second": 34}
